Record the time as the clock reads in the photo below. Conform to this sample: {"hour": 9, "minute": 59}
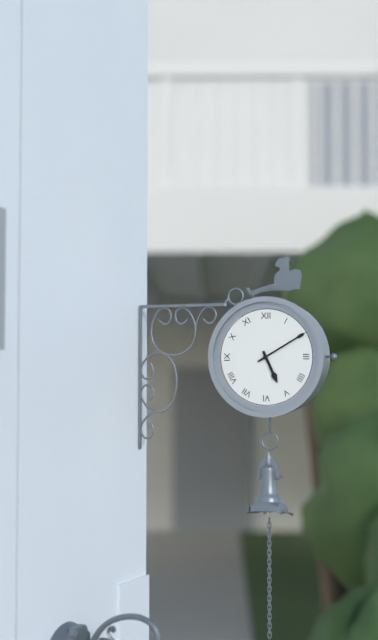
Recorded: {"hour": 5, "minute": 10}
